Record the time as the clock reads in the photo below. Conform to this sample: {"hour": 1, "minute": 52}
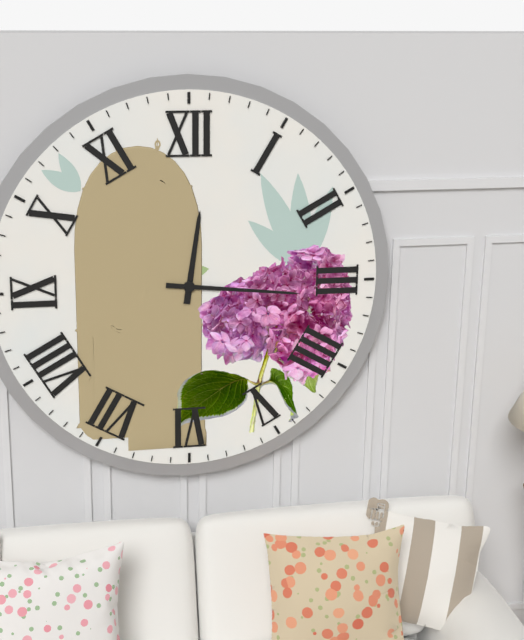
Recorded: {"hour": 12, "minute": 16}
